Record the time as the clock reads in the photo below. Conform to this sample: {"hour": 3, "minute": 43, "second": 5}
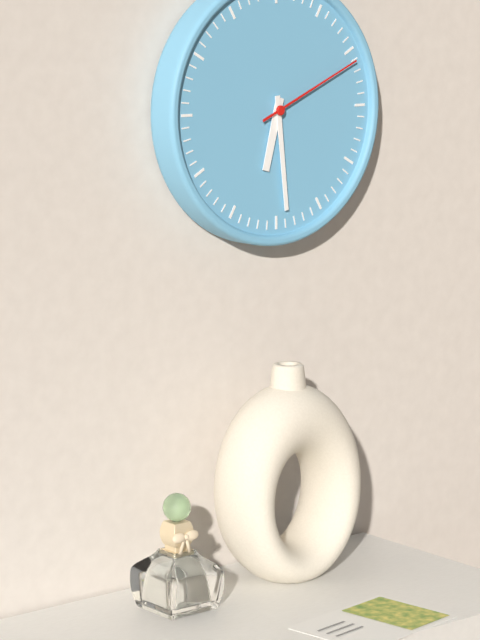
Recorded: {"hour": 6, "minute": 29, "second": 11}
